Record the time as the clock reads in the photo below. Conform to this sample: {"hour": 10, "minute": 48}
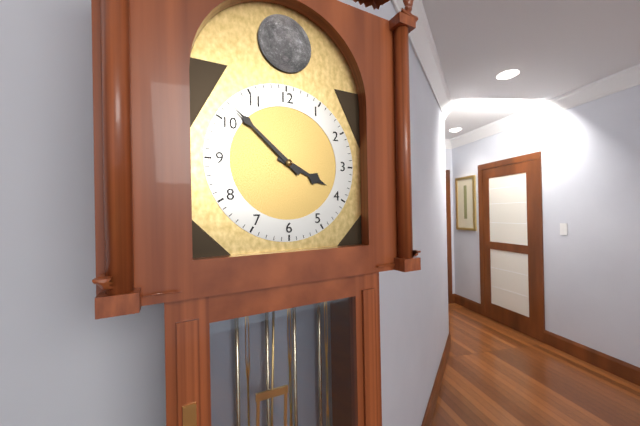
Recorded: {"hour": 3, "minute": 52}
